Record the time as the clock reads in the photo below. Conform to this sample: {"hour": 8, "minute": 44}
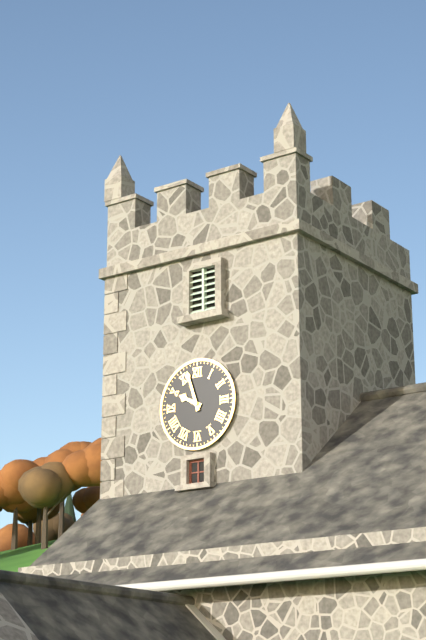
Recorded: {"hour": 9, "minute": 57}
